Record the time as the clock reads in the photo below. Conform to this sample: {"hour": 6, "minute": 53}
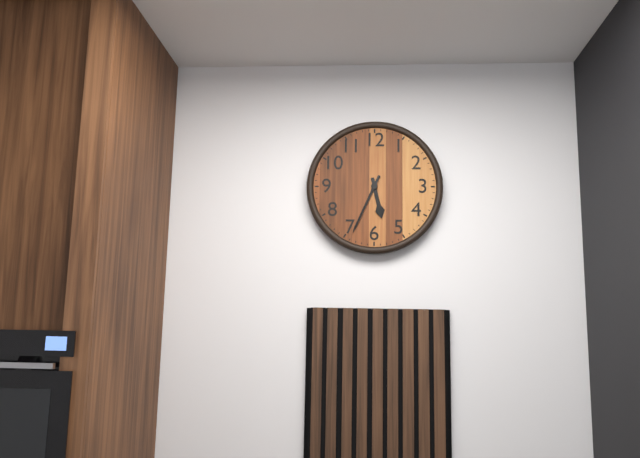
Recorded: {"hour": 5, "minute": 34}
